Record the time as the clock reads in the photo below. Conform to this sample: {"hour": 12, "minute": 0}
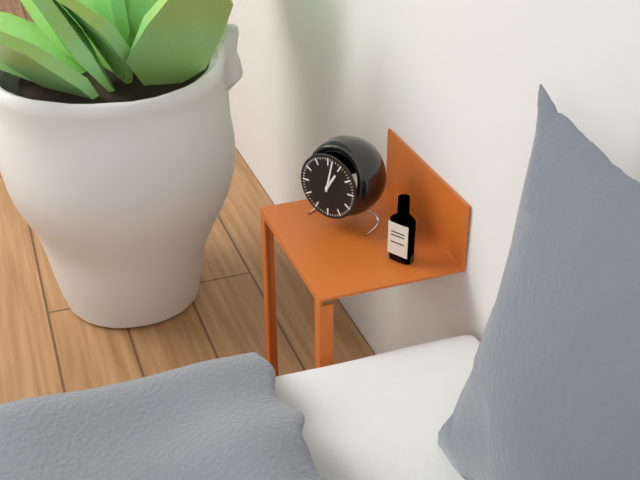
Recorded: {"hour": 1, "minute": 2}
